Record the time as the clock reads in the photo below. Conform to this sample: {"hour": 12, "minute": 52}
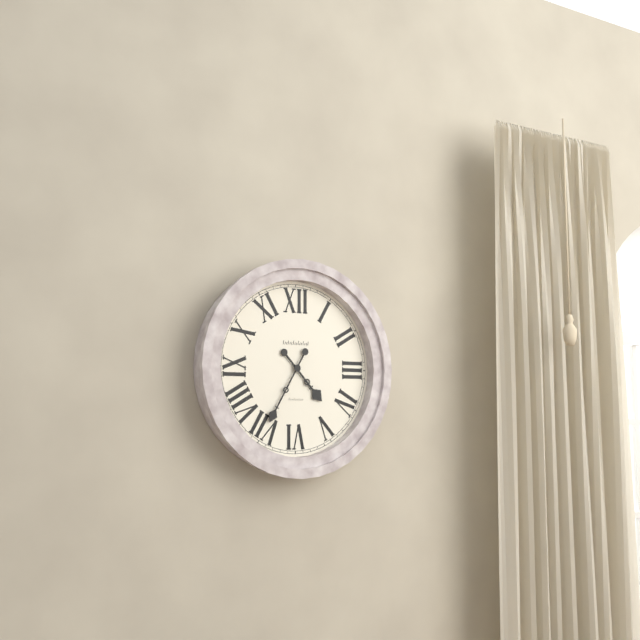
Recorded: {"hour": 4, "minute": 35}
